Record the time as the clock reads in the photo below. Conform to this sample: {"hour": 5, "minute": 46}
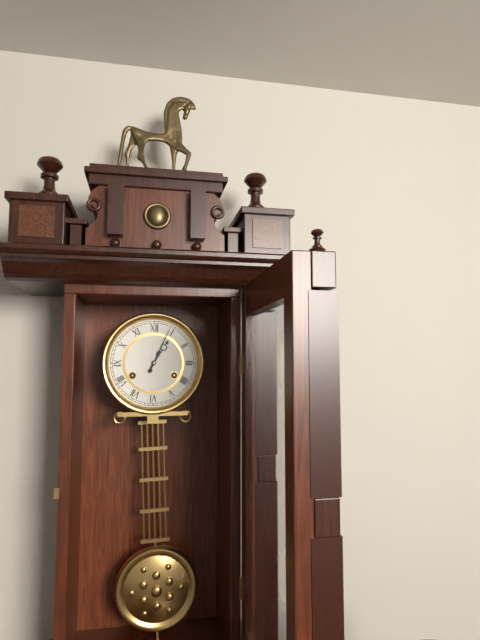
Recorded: {"hour": 1, "minute": 4}
